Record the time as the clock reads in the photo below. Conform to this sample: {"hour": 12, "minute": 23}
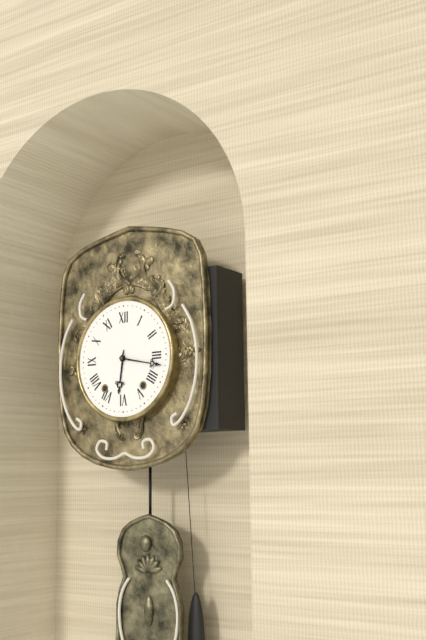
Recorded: {"hour": 6, "minute": 17}
